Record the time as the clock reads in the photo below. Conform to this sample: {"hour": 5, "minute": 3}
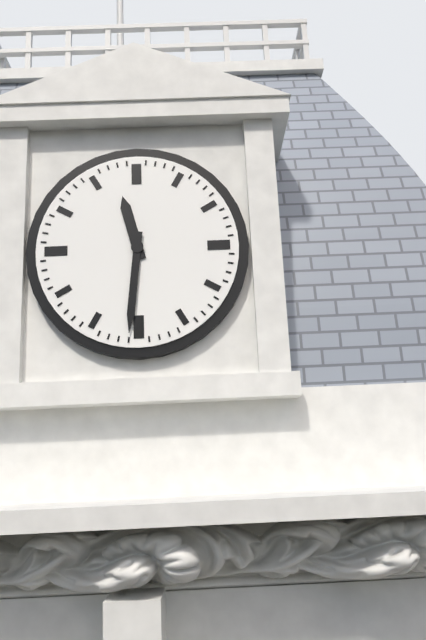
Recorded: {"hour": 11, "minute": 31}
